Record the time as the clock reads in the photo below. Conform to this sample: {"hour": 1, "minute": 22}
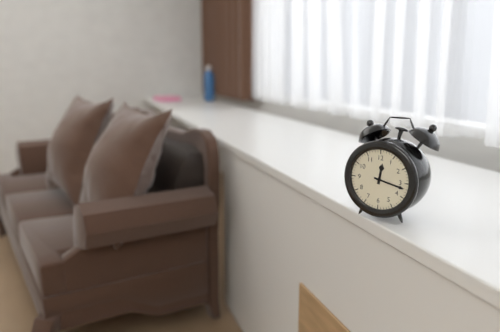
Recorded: {"hour": 12, "minute": 17}
